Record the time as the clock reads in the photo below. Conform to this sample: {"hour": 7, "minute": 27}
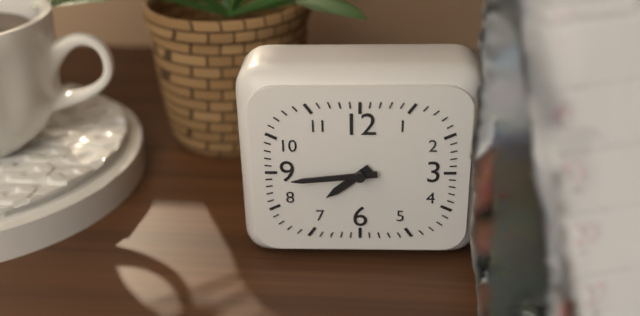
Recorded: {"hour": 7, "minute": 44}
